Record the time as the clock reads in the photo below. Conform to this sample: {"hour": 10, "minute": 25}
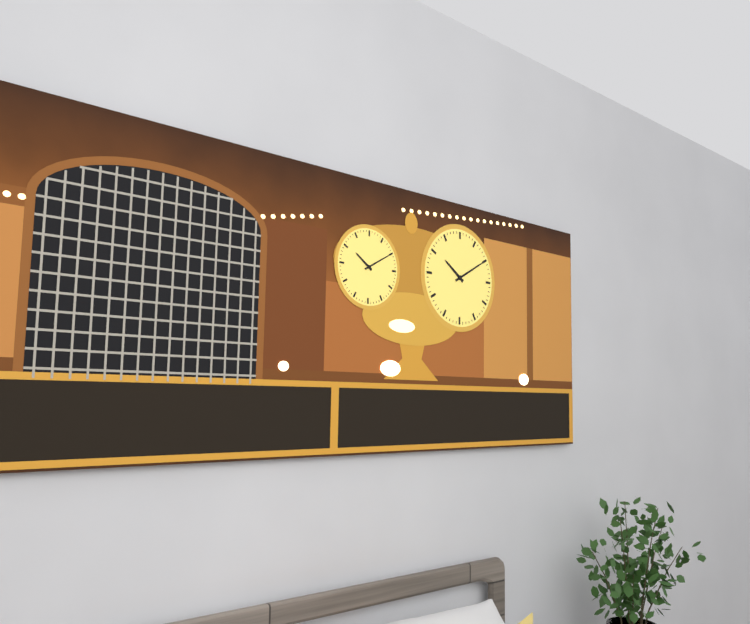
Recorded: {"hour": 10, "minute": 10}
